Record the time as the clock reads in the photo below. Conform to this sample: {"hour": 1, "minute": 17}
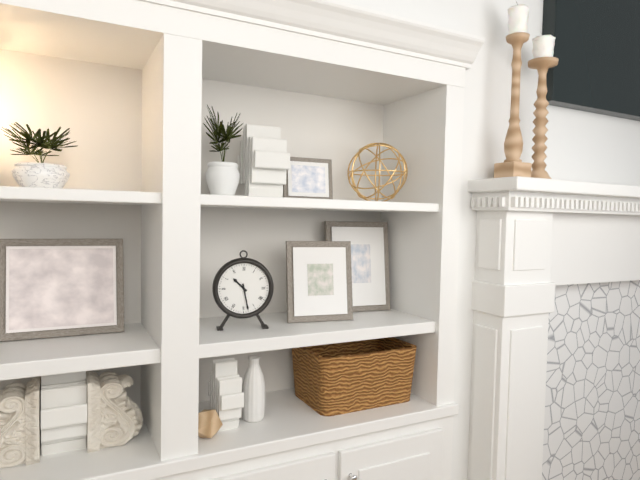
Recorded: {"hour": 10, "minute": 28}
